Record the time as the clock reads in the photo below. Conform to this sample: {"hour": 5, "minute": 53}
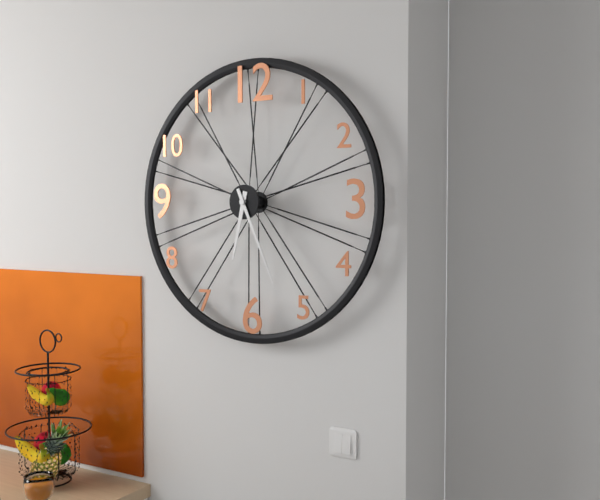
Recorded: {"hour": 6, "minute": 26}
